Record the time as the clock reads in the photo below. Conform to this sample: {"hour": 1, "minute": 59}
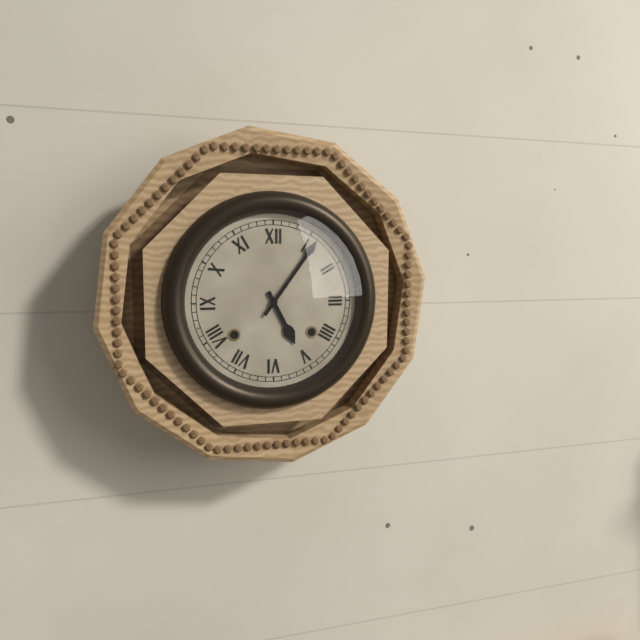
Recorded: {"hour": 5, "minute": 6}
